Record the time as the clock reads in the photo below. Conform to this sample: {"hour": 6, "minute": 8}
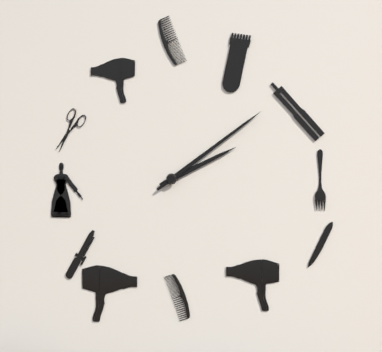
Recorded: {"hour": 2, "minute": 9}
